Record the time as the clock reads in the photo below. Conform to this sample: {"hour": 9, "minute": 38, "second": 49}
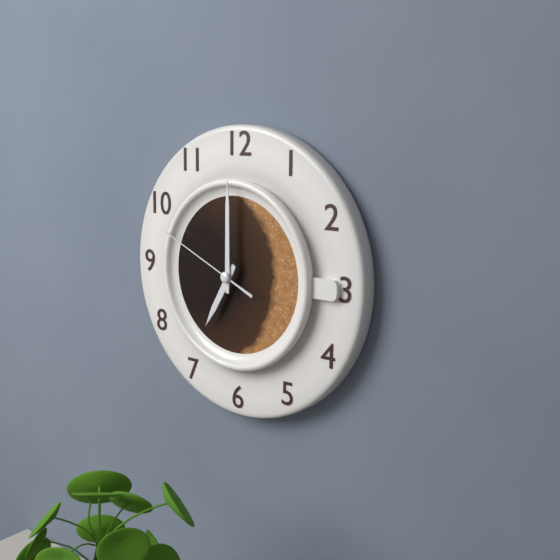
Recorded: {"hour": 7, "minute": 0, "second": 49}
